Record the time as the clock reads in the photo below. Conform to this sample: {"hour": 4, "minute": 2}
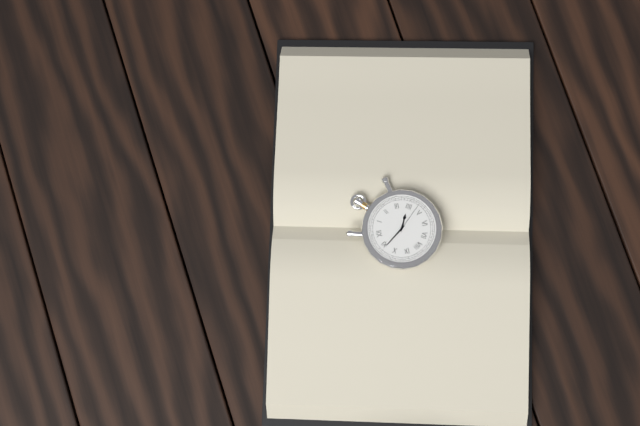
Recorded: {"hour": 3, "minute": 54}
